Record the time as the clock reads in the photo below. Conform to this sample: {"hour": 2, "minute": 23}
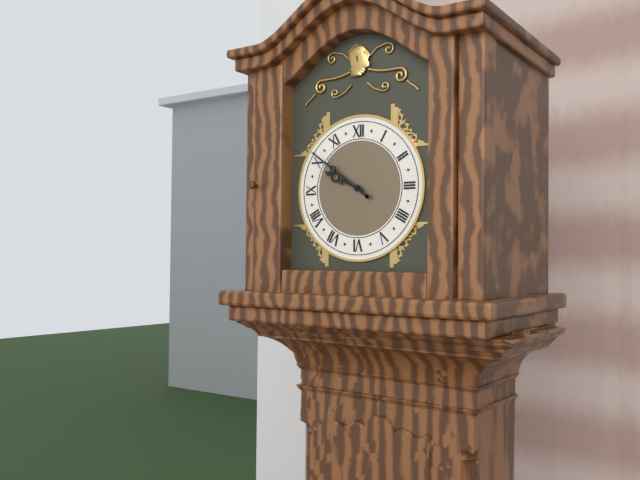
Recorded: {"hour": 9, "minute": 51}
